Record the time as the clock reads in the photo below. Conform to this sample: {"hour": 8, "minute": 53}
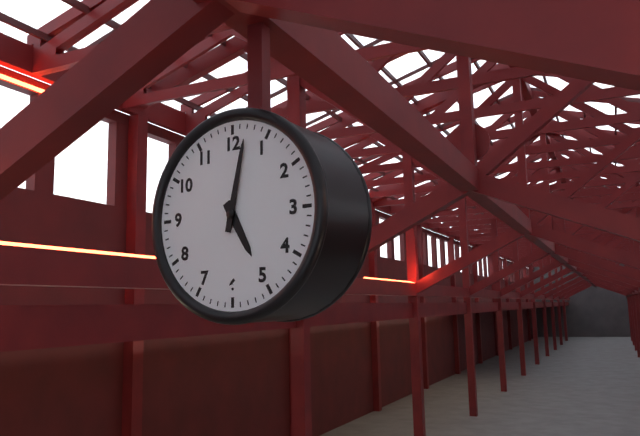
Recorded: {"hour": 5, "minute": 2}
